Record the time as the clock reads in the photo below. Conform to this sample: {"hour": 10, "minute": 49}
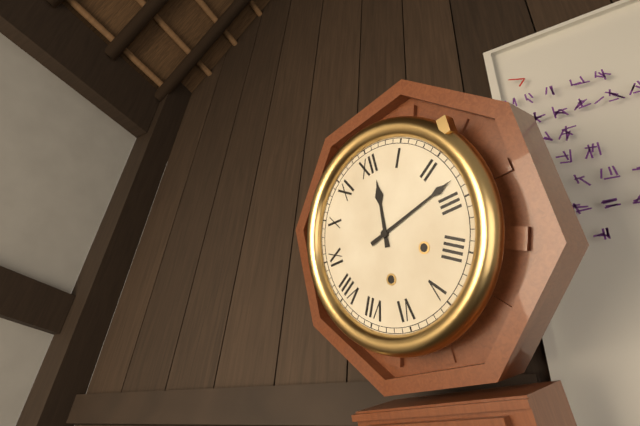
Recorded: {"hour": 12, "minute": 13}
